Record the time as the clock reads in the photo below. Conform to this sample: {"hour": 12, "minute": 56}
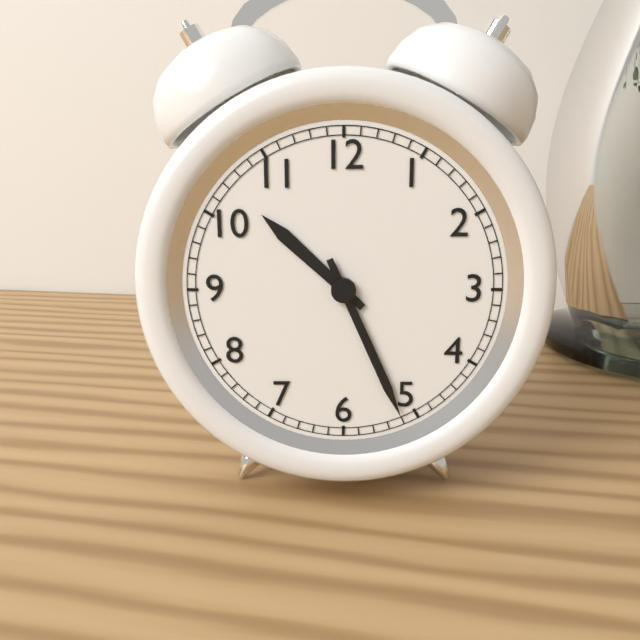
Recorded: {"hour": 10, "minute": 26}
